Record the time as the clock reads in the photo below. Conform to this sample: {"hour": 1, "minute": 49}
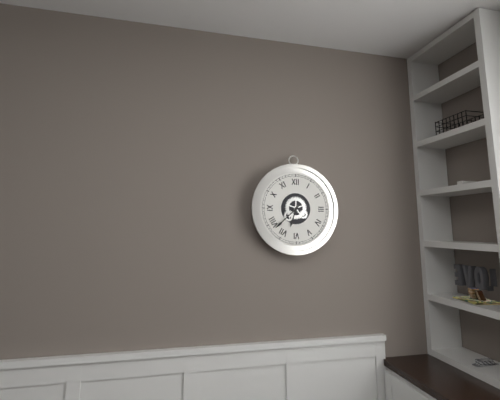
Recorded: {"hour": 6, "minute": 38}
